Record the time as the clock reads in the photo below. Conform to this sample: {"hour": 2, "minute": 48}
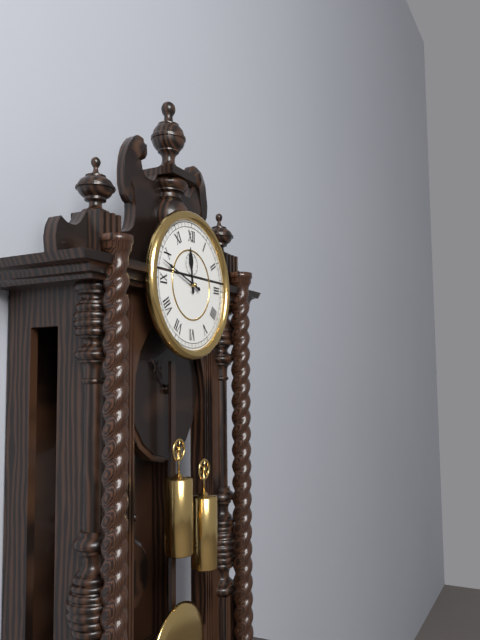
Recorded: {"hour": 11, "minute": 48}
